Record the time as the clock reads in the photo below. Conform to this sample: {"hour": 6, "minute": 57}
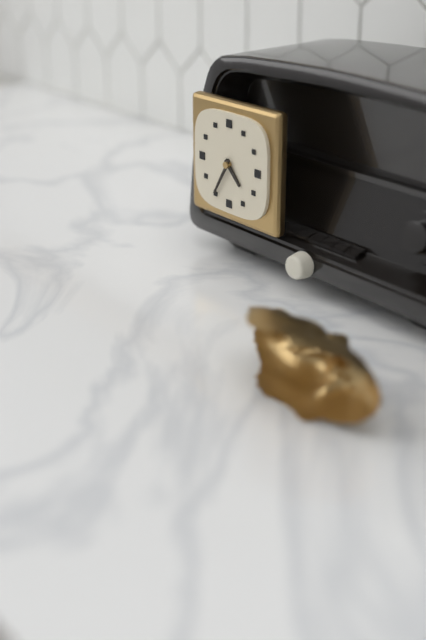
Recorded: {"hour": 4, "minute": 35}
